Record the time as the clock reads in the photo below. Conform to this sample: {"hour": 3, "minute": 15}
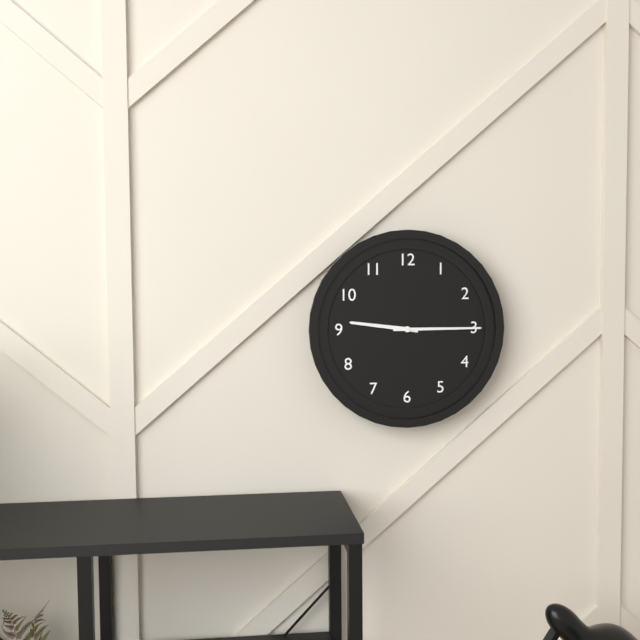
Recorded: {"hour": 9, "minute": 15}
